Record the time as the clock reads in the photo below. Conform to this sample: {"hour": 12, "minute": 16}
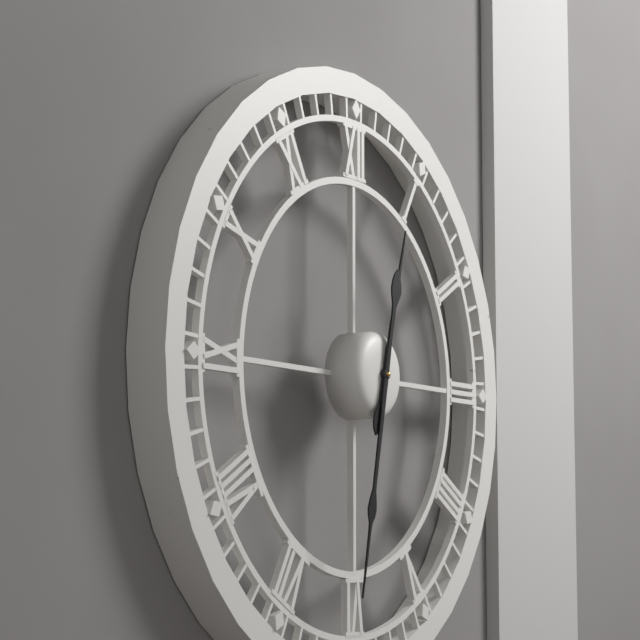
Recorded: {"hour": 12, "minute": 32}
